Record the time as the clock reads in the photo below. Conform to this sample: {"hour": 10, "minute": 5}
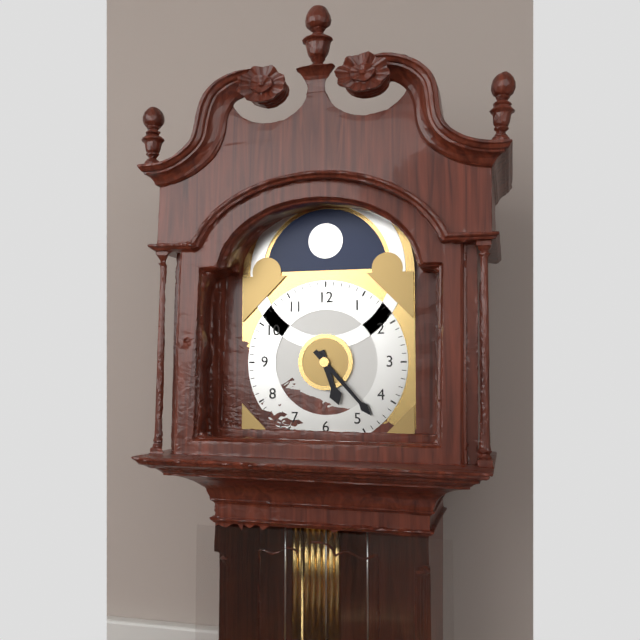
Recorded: {"hour": 5, "minute": 23}
